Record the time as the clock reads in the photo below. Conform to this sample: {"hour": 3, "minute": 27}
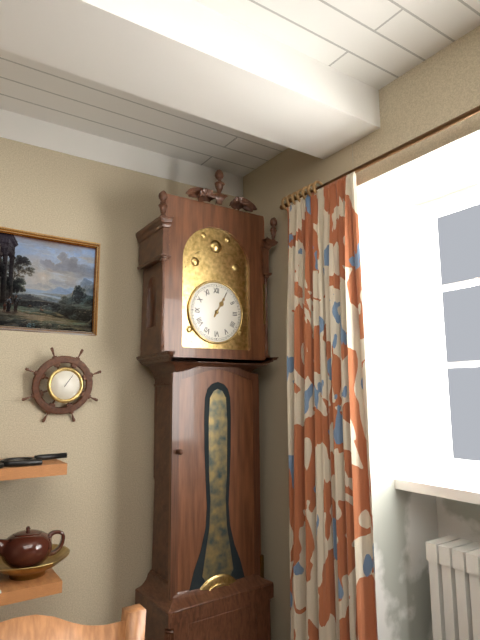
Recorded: {"hour": 1, "minute": 5}
